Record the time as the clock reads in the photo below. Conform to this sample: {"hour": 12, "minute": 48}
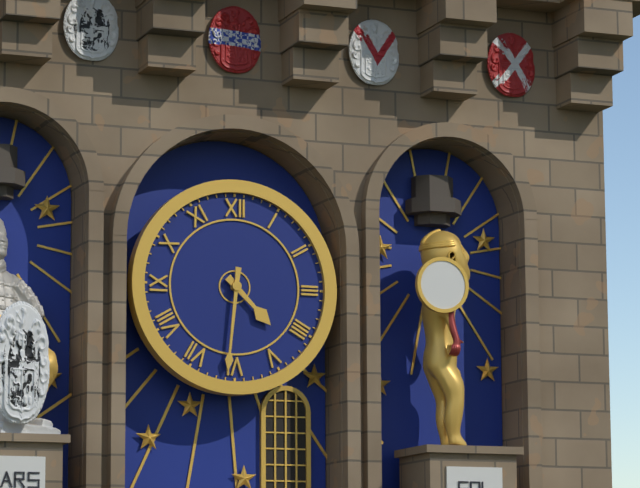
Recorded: {"hour": 4, "minute": 31}
